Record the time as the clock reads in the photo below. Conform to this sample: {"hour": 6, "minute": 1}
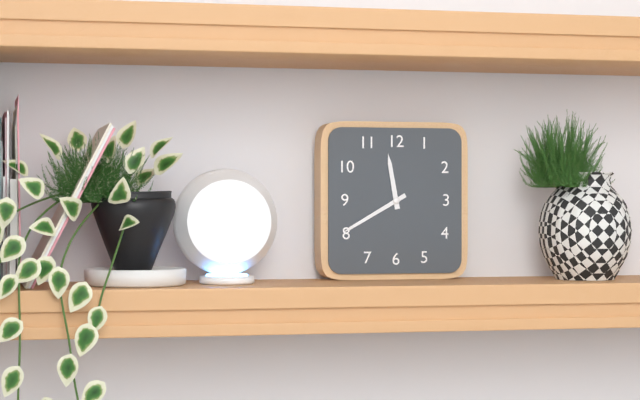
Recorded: {"hour": 11, "minute": 40}
